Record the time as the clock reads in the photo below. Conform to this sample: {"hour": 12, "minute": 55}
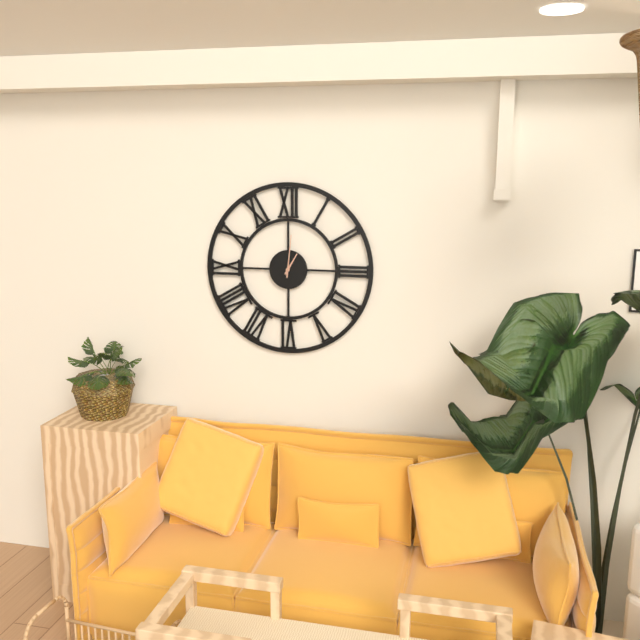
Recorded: {"hour": 1, "minute": 1}
